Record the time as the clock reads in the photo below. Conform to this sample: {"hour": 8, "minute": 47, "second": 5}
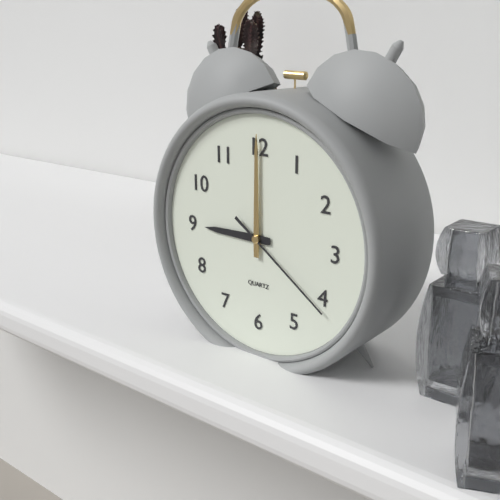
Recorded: {"hour": 9, "minute": 0, "second": 21}
